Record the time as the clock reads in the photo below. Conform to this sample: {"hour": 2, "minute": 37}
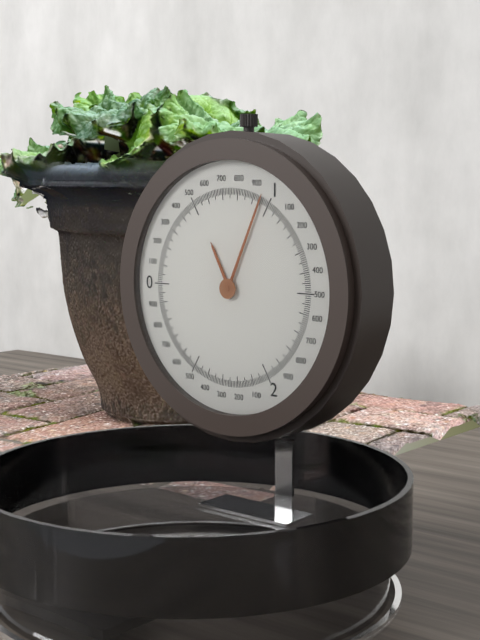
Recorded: {"hour": 11, "minute": 4}
